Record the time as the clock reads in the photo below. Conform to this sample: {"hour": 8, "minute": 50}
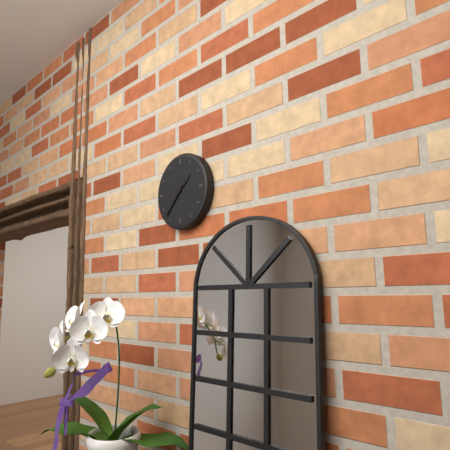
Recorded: {"hour": 1, "minute": 37}
